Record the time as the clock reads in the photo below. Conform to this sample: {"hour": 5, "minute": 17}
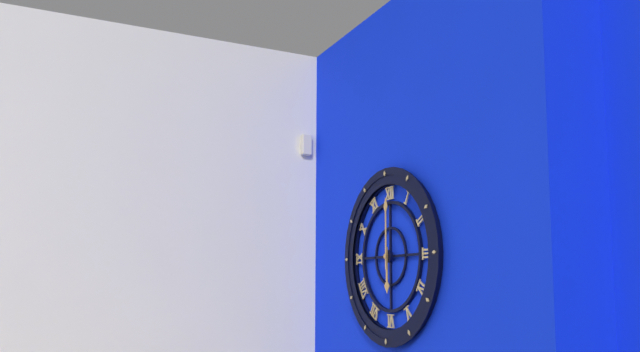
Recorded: {"hour": 6, "minute": 0}
